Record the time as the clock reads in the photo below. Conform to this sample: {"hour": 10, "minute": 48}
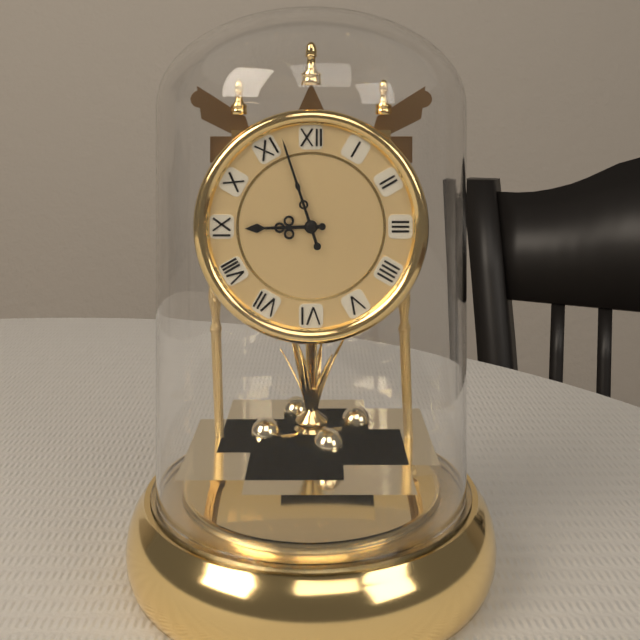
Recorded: {"hour": 8, "minute": 57}
